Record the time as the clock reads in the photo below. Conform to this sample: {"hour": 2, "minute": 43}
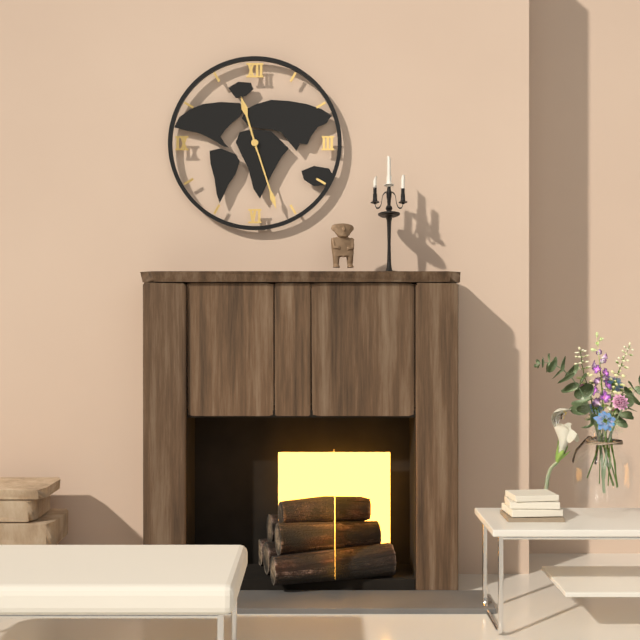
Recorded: {"hour": 11, "minute": 27}
